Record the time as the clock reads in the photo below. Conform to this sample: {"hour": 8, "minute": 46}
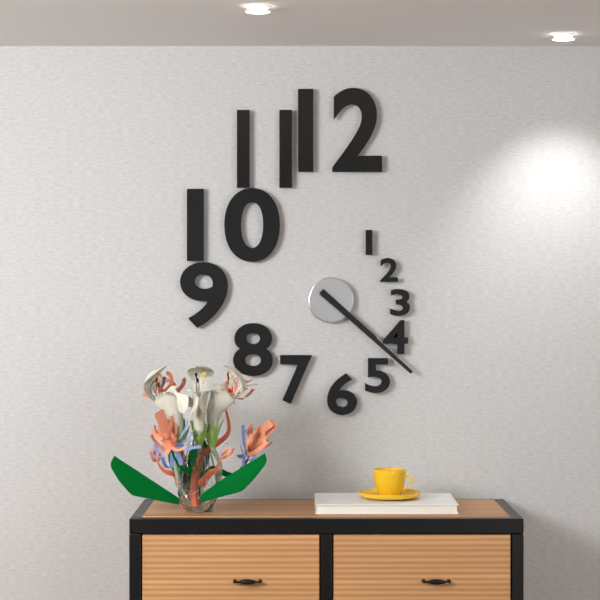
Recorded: {"hour": 4, "minute": 22}
